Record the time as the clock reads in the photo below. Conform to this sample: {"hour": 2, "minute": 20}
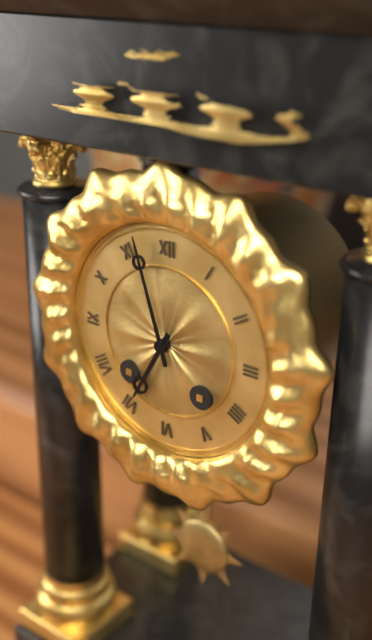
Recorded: {"hour": 6, "minute": 57}
